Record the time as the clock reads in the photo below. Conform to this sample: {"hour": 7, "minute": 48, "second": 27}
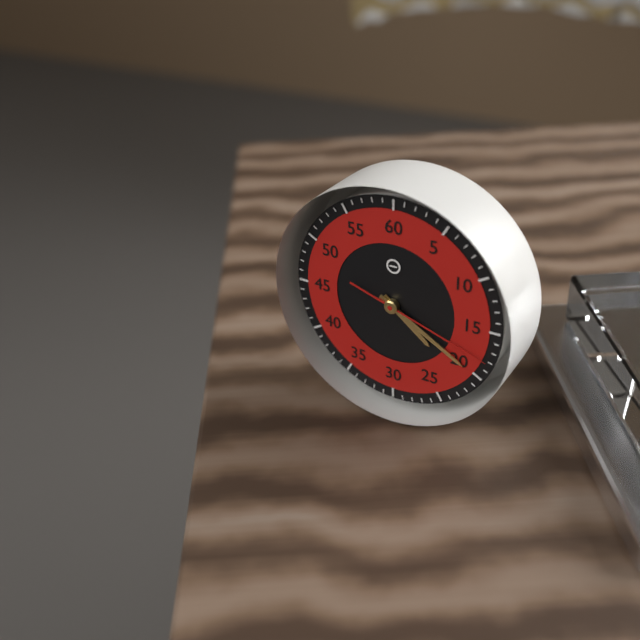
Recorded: {"hour": 4, "minute": 20, "second": 18}
